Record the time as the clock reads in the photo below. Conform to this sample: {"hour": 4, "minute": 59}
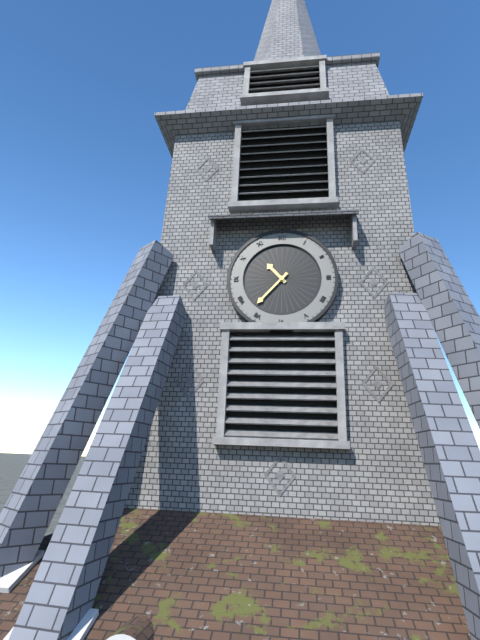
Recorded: {"hour": 10, "minute": 37}
